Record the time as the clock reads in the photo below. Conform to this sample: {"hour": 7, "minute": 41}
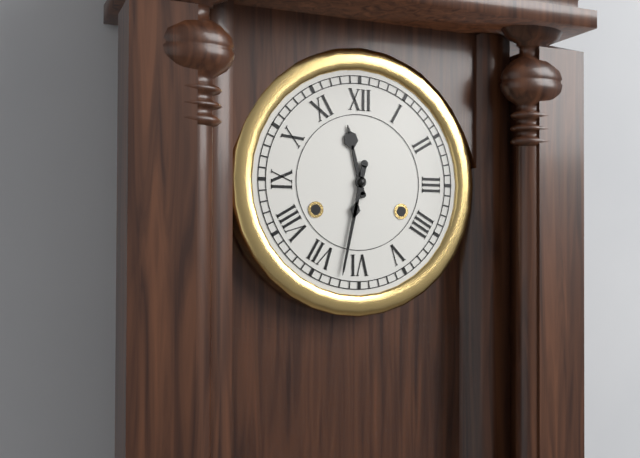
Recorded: {"hour": 11, "minute": 32}
